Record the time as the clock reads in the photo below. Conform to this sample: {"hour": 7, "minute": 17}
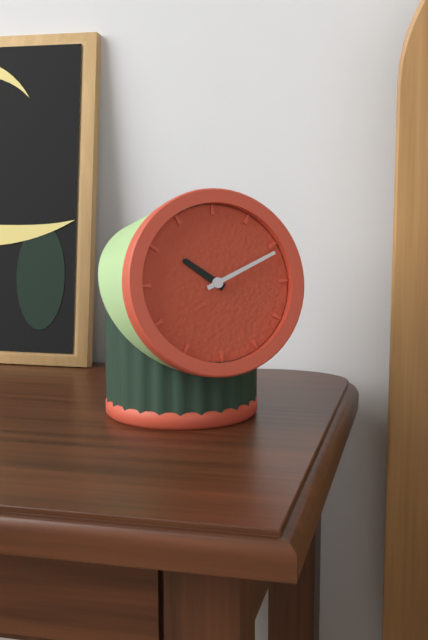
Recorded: {"hour": 10, "minute": 11}
